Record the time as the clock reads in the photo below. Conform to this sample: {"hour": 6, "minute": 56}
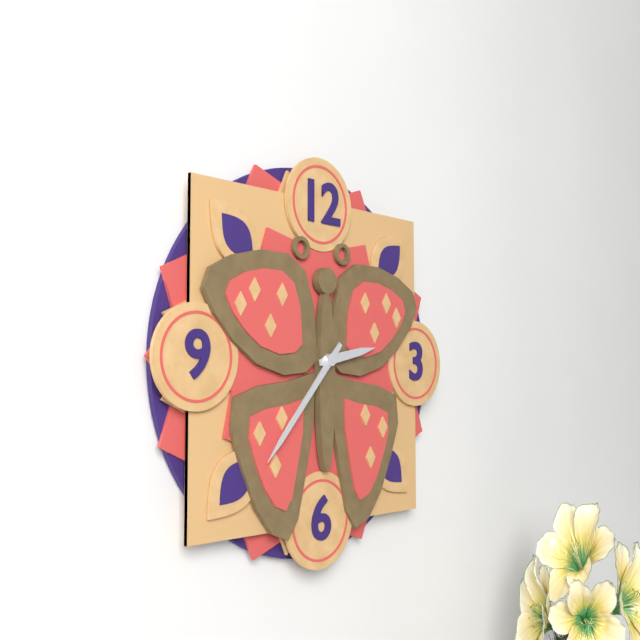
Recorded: {"hour": 2, "minute": 37}
